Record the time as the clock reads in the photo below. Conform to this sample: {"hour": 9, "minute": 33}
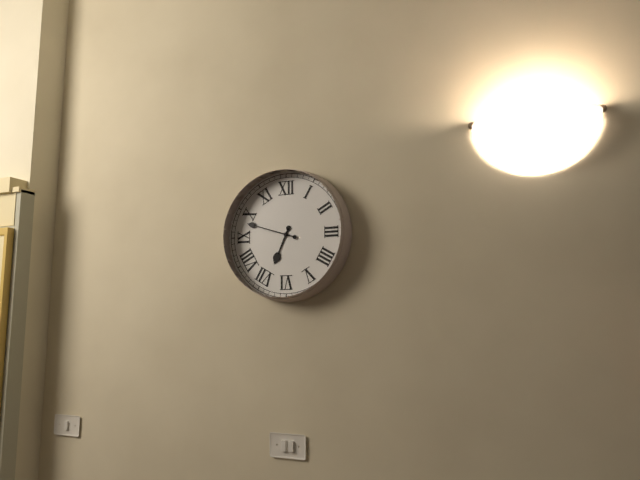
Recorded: {"hour": 6, "minute": 48}
